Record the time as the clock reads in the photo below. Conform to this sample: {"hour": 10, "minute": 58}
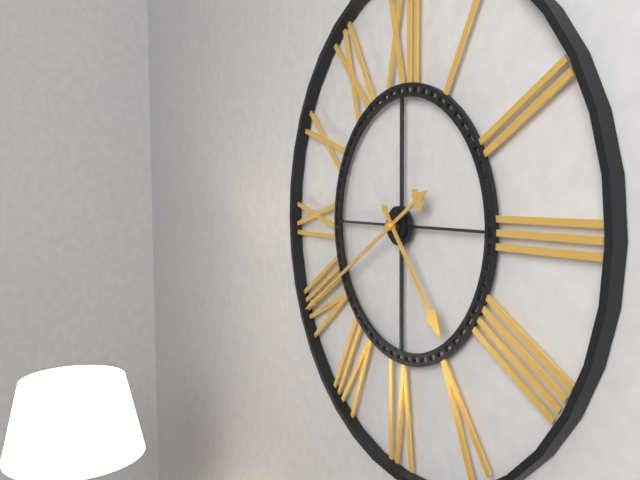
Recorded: {"hour": 4, "minute": 40}
